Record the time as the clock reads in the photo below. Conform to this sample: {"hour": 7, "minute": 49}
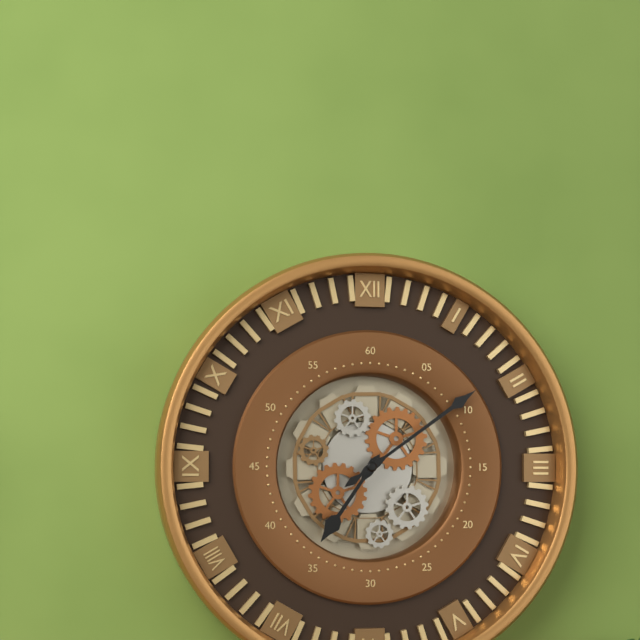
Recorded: {"hour": 7, "minute": 9}
